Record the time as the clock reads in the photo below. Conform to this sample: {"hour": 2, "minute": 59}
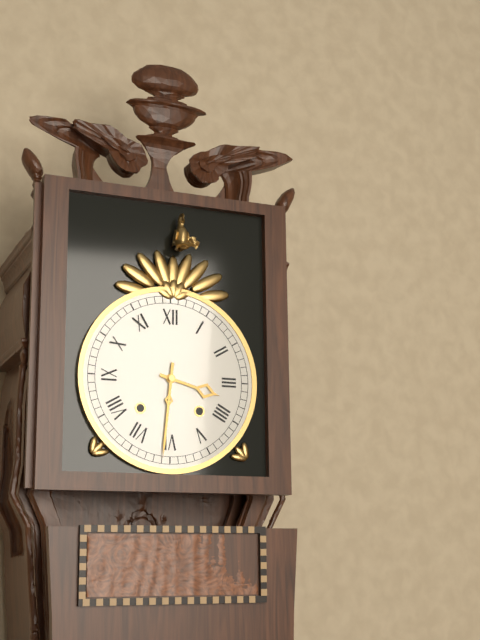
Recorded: {"hour": 3, "minute": 31}
